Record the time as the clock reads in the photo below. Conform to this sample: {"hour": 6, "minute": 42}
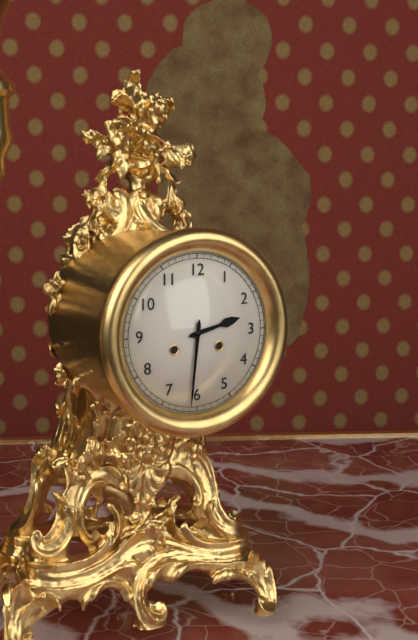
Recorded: {"hour": 2, "minute": 31}
